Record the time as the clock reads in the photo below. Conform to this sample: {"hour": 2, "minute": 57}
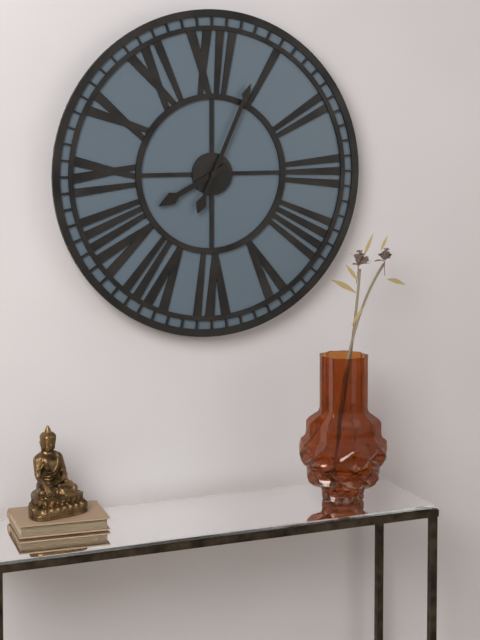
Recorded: {"hour": 8, "minute": 4}
